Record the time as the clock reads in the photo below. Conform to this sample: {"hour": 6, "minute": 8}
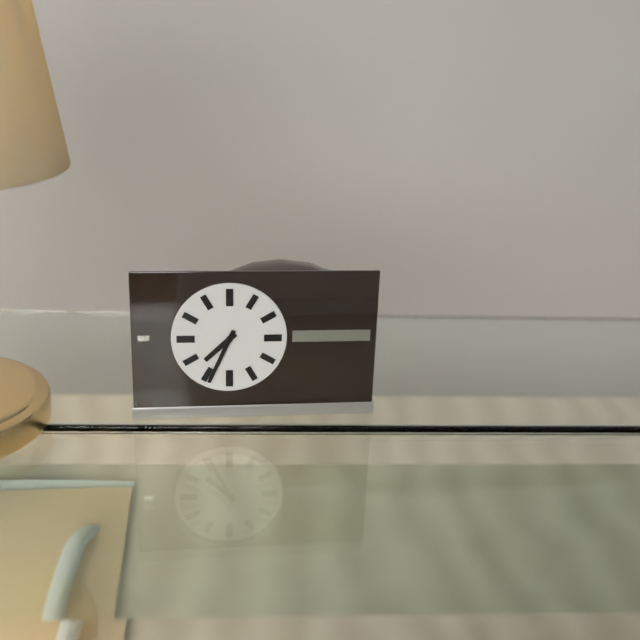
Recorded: {"hour": 7, "minute": 34}
